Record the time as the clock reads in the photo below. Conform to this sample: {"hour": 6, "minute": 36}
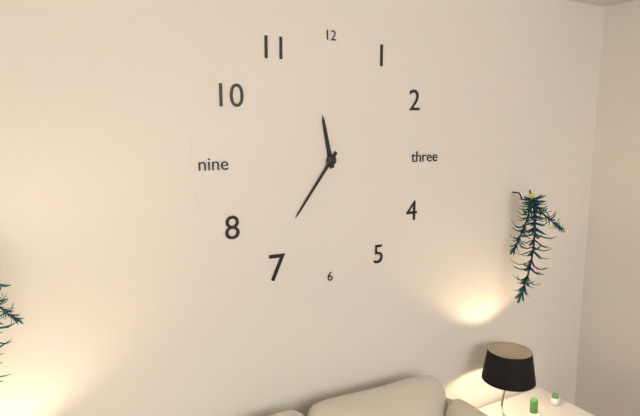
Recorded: {"hour": 11, "minute": 36}
